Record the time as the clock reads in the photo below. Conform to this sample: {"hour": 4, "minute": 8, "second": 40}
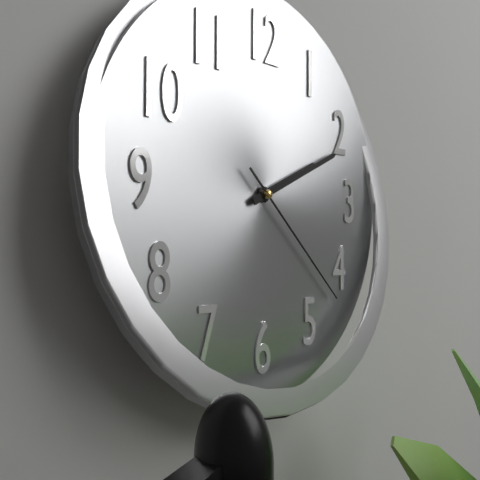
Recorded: {"hour": 2, "minute": 11, "second": 22}
